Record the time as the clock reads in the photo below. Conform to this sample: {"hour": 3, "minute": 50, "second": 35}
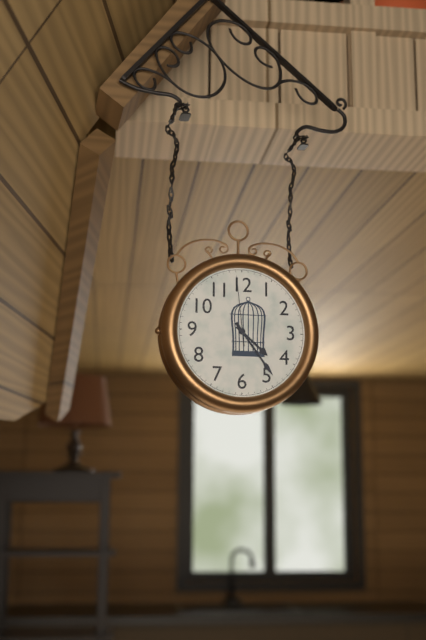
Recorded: {"hour": 4, "minute": 24, "second": 59}
